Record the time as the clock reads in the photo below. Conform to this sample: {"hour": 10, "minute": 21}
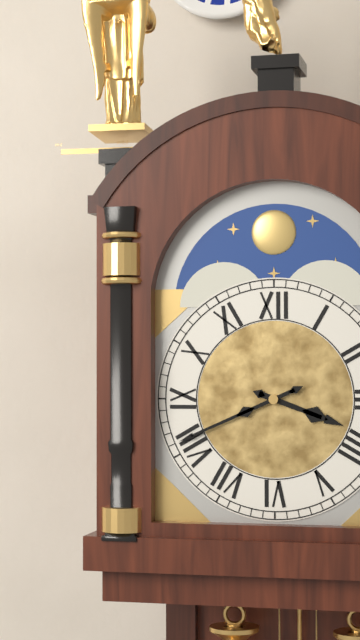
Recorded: {"hour": 3, "minute": 41}
